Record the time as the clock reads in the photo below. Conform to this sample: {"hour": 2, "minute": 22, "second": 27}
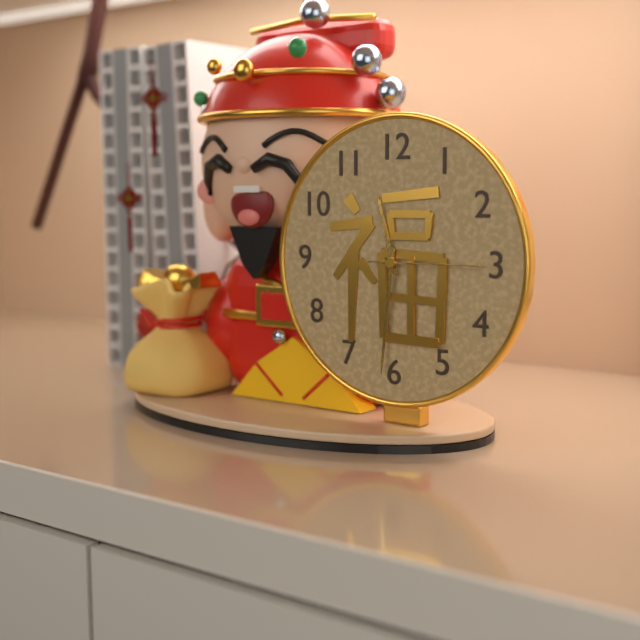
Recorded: {"hour": 11, "minute": 31, "second": 15}
